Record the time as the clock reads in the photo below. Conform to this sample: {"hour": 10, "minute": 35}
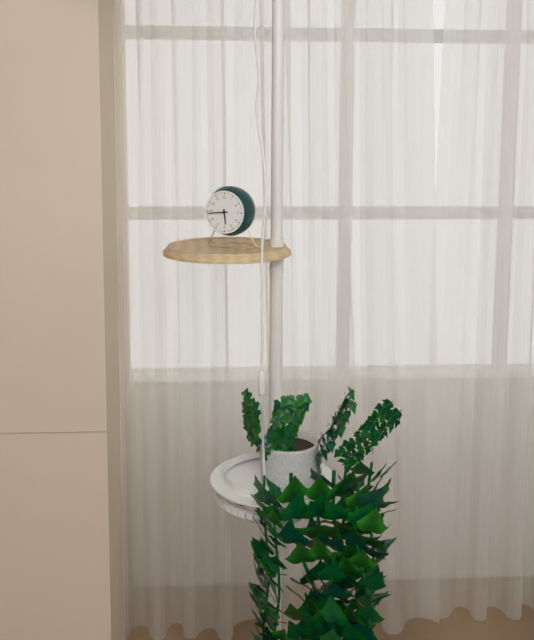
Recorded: {"hour": 5, "minute": 44}
